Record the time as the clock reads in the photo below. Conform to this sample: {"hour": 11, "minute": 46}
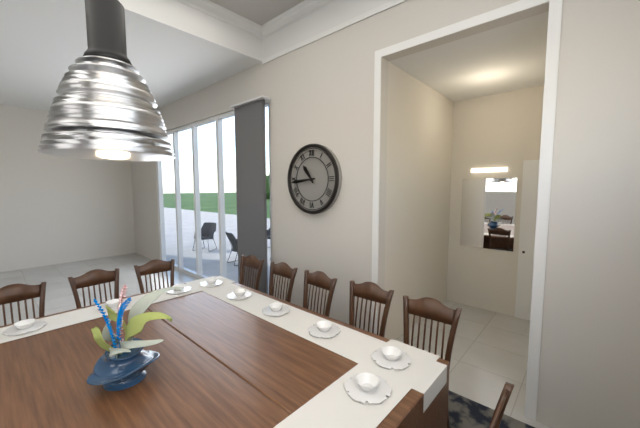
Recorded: {"hour": 10, "minute": 44}
